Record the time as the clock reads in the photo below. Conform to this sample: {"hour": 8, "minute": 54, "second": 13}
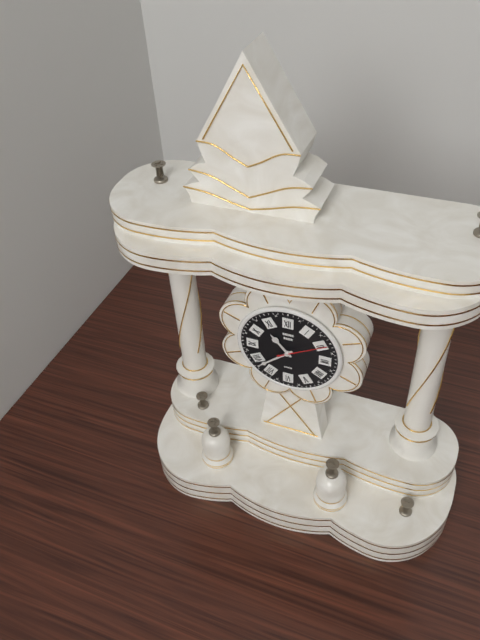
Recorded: {"hour": 10, "minute": 38, "second": 10}
